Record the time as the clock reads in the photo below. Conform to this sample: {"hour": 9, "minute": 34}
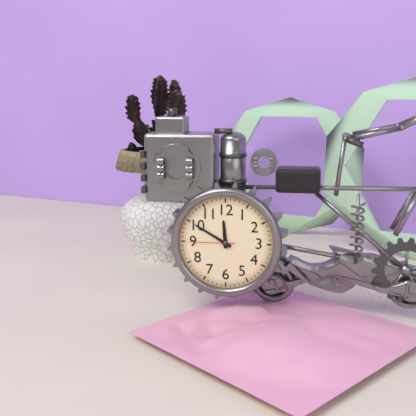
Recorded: {"hour": 11, "minute": 50}
